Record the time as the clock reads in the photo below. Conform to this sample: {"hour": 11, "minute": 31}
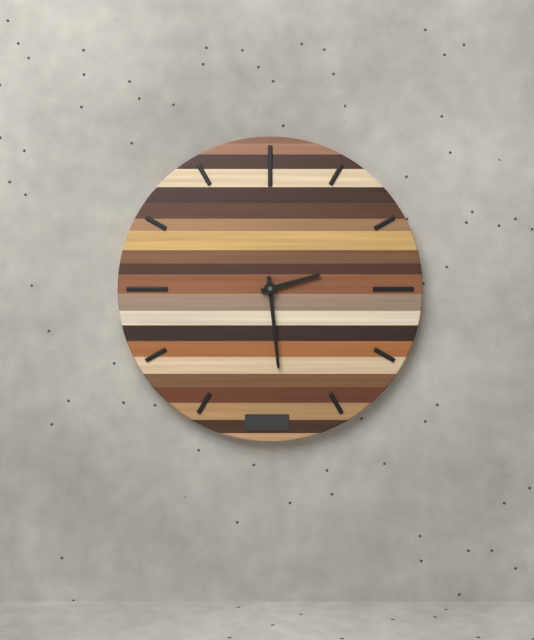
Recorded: {"hour": 2, "minute": 29}
